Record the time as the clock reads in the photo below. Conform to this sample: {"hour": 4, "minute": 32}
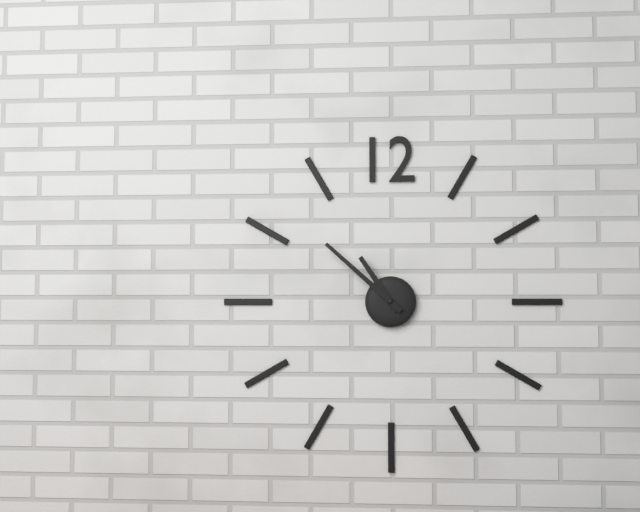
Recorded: {"hour": 10, "minute": 52}
